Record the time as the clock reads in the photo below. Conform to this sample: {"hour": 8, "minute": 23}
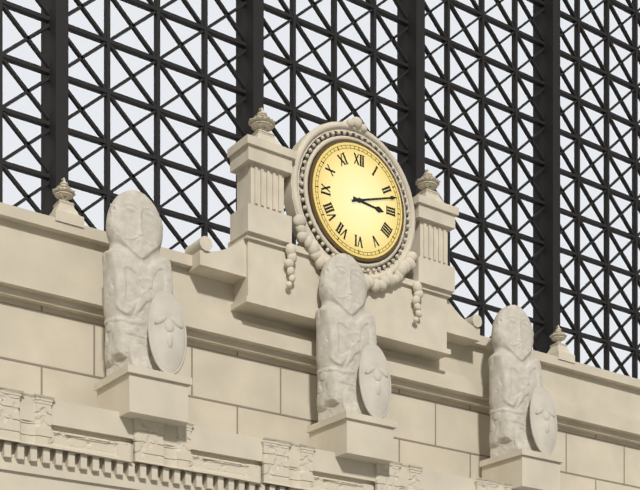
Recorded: {"hour": 3, "minute": 12}
